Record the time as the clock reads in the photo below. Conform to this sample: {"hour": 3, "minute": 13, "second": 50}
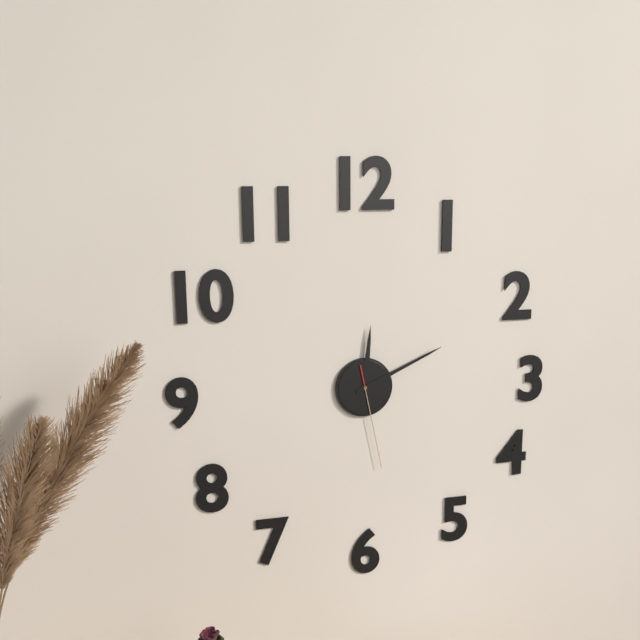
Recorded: {"hour": 12, "minute": 11, "second": 28}
